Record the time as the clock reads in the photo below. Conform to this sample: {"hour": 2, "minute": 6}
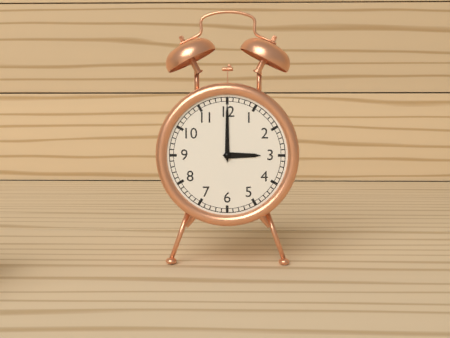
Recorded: {"hour": 3, "minute": 0}
